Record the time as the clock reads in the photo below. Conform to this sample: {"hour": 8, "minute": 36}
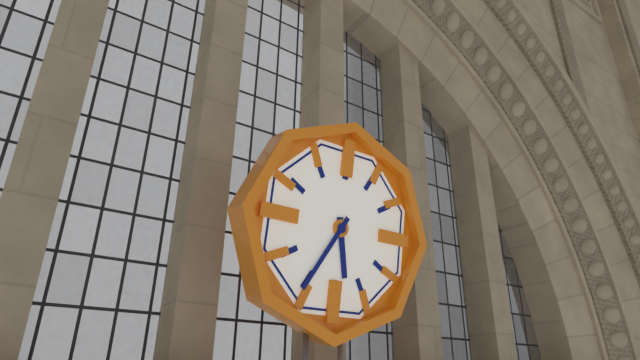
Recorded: {"hour": 5, "minute": 35}
